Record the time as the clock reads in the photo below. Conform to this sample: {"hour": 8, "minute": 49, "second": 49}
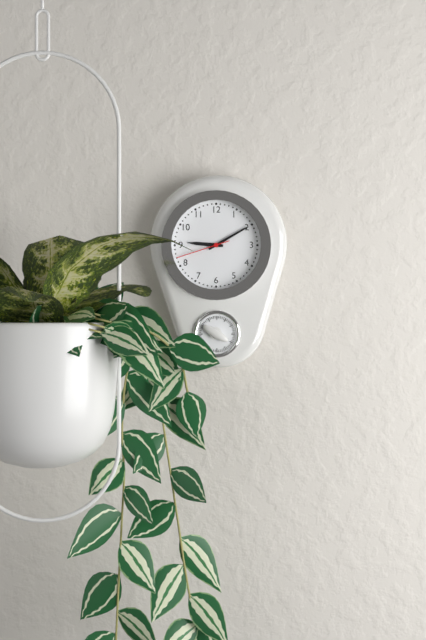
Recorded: {"hour": 9, "minute": 10, "second": 42}
